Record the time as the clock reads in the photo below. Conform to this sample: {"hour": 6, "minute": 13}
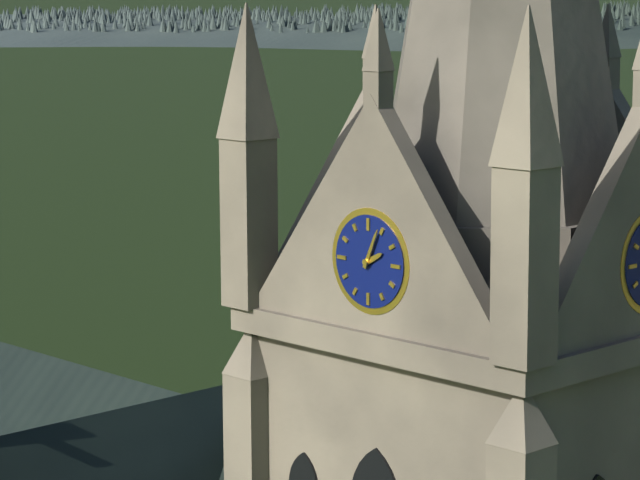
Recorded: {"hour": 2, "minute": 4}
